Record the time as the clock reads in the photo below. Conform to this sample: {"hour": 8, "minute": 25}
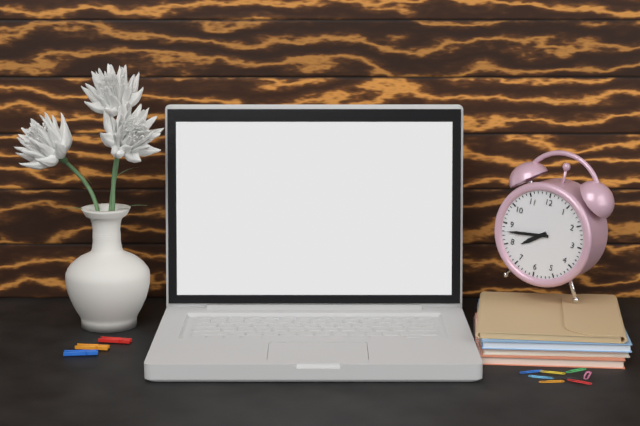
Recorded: {"hour": 7, "minute": 43}
